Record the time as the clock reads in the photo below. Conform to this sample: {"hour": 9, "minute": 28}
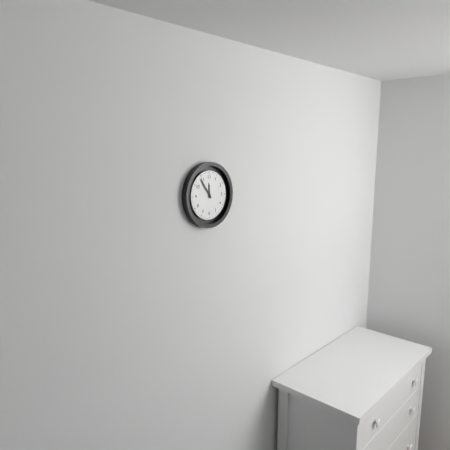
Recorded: {"hour": 11, "minute": 54}
